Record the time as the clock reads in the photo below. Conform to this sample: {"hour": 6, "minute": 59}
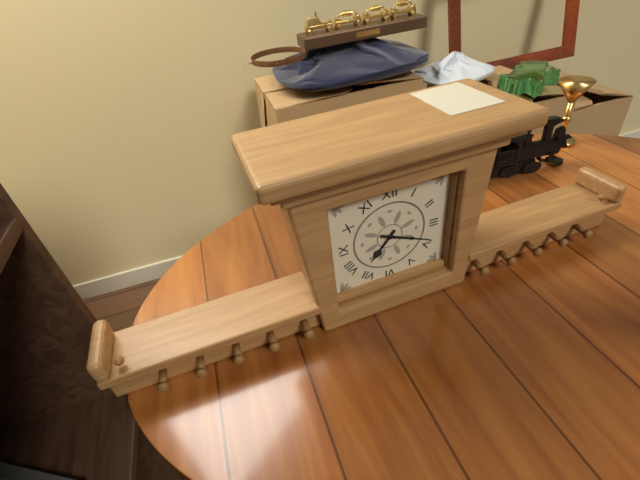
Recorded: {"hour": 7, "minute": 19}
